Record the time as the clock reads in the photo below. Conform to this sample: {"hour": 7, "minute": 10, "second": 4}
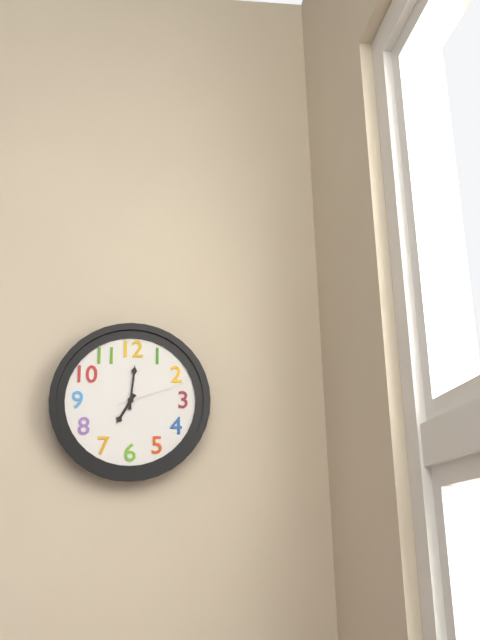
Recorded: {"hour": 7, "minute": 1, "second": 12}
